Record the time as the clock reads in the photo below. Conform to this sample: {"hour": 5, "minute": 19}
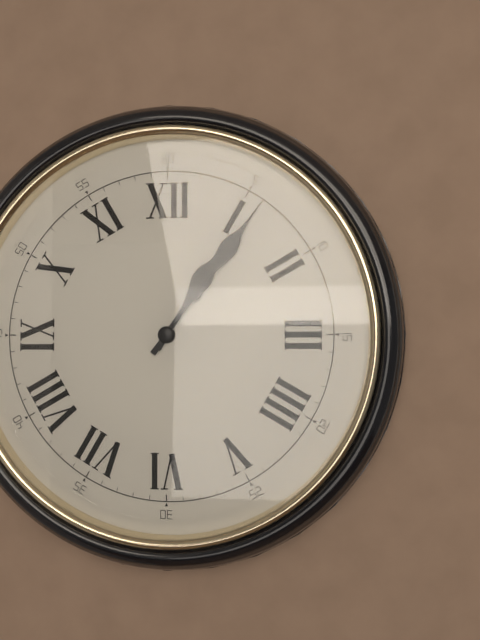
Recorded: {"hour": 1, "minute": 6}
